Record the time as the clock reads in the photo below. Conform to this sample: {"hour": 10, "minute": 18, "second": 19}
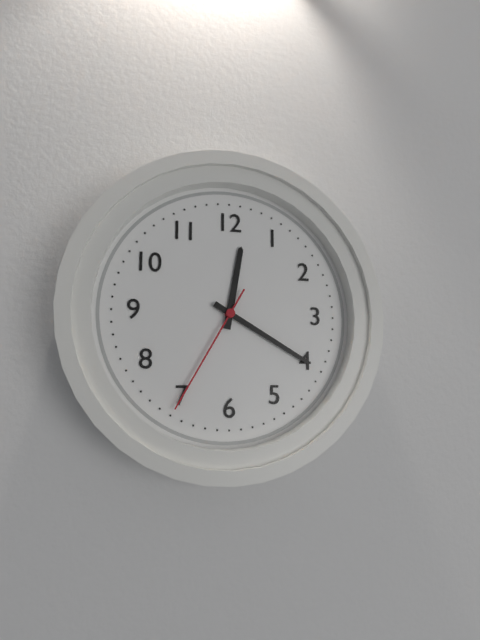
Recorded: {"hour": 12, "minute": 20, "second": 35}
